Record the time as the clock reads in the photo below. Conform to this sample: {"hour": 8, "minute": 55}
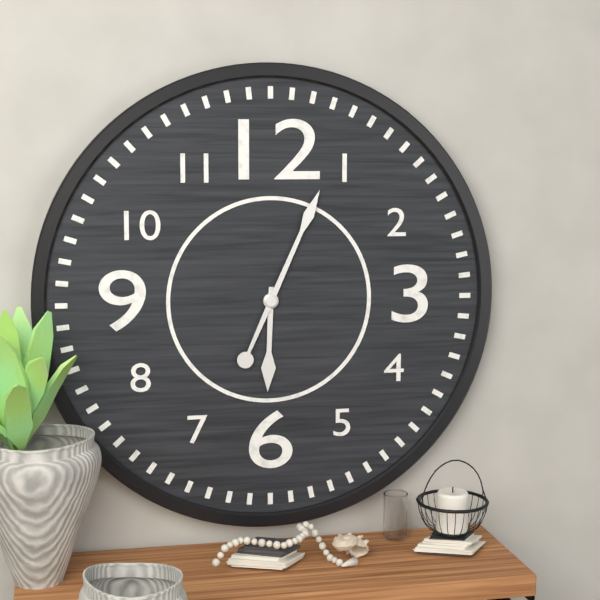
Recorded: {"hour": 6, "minute": 4}
